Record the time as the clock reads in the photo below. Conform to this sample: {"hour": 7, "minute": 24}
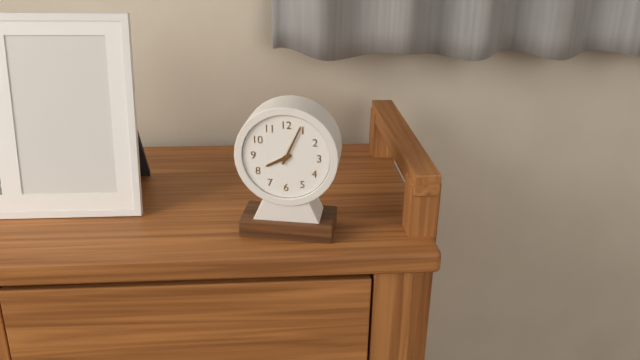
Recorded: {"hour": 8, "minute": 4}
